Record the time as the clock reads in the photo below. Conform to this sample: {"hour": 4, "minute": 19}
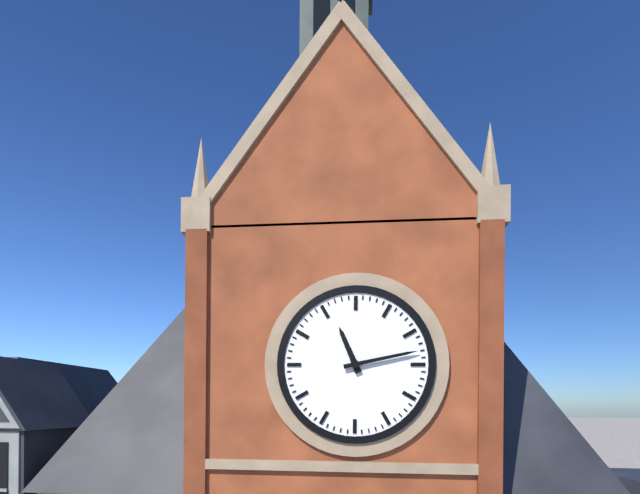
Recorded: {"hour": 11, "minute": 13}
